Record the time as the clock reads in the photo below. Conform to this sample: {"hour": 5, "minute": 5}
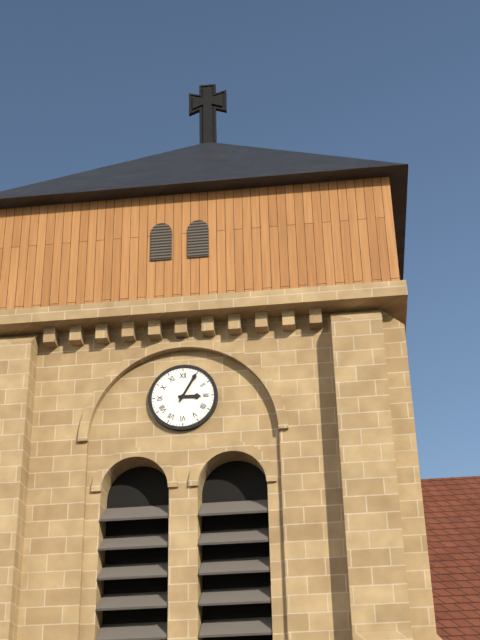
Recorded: {"hour": 3, "minute": 5}
